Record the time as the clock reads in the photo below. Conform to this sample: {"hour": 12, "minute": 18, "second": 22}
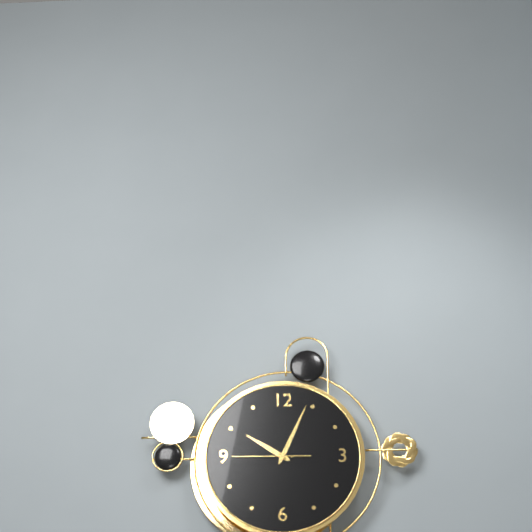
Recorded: {"hour": 10, "minute": 4, "second": 45}
